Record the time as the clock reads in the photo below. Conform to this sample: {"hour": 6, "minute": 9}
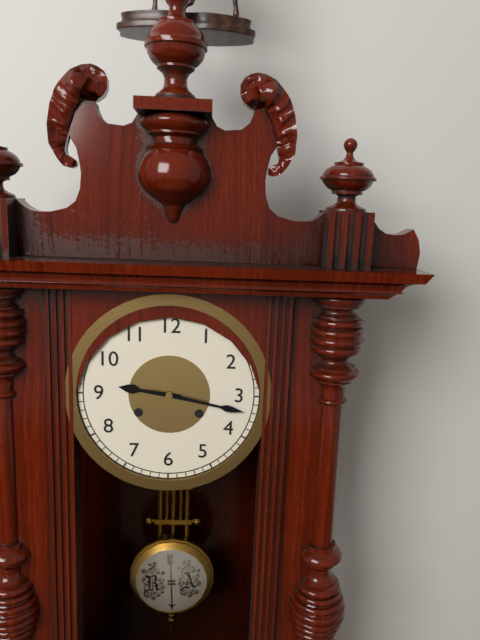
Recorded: {"hour": 9, "minute": 17}
